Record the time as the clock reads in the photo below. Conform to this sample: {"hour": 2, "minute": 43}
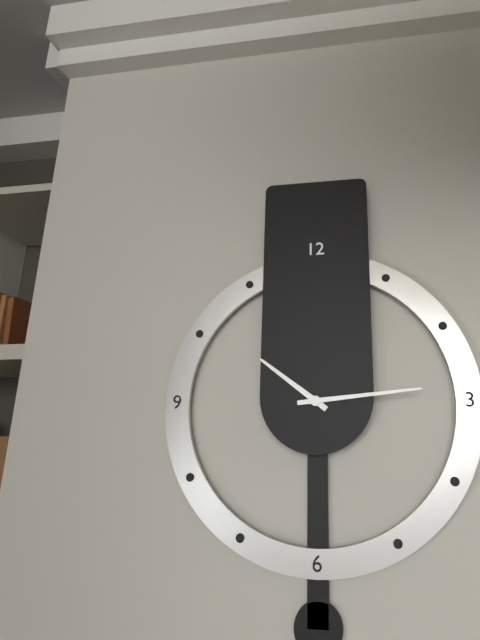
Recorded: {"hour": 10, "minute": 14}
